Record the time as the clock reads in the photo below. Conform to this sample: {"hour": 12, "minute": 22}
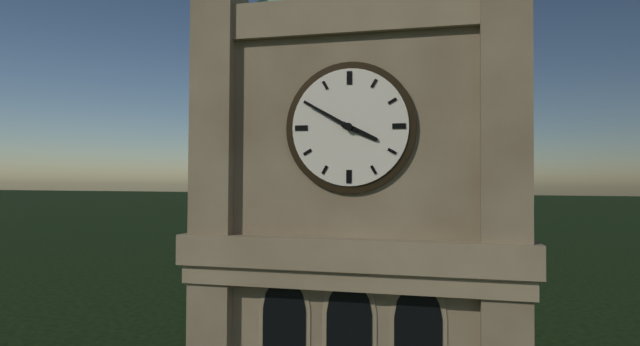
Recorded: {"hour": 3, "minute": 50}
